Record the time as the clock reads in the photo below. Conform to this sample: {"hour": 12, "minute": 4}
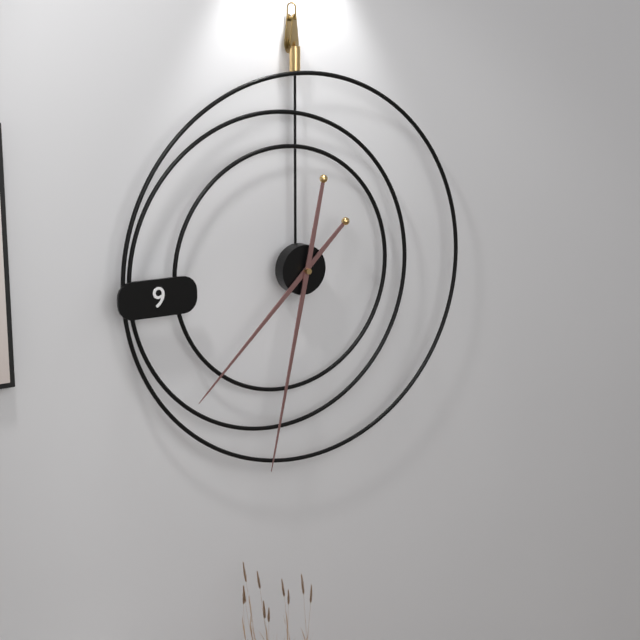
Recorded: {"hour": 7, "minute": 32}
